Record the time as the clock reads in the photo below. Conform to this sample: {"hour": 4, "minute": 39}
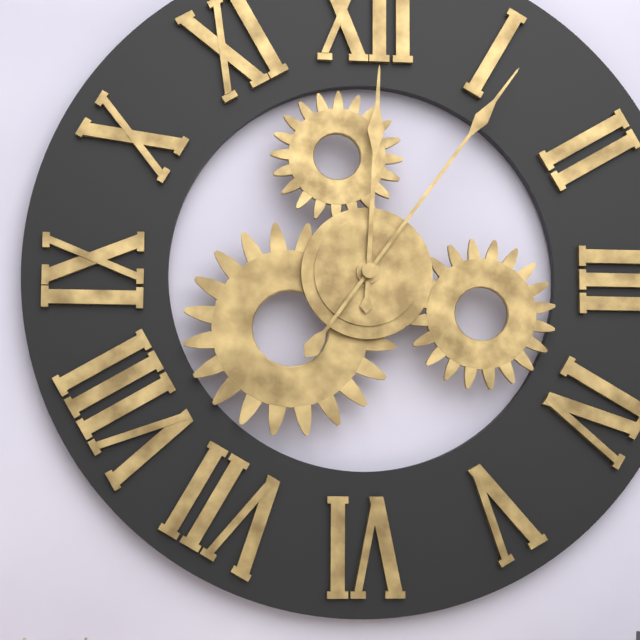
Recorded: {"hour": 12, "minute": 6}
